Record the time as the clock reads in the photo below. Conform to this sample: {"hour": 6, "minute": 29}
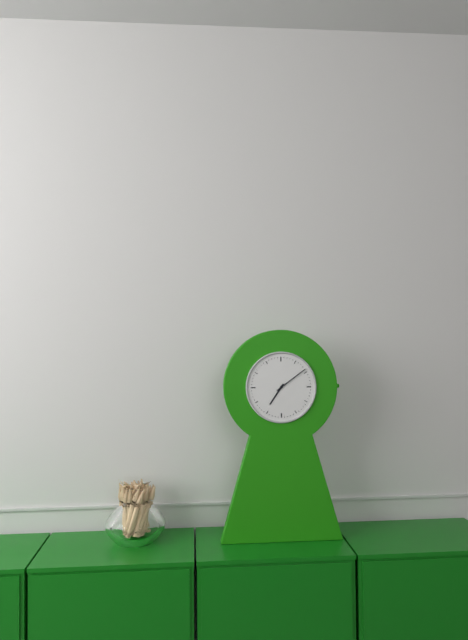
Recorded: {"hour": 7, "minute": 9}
